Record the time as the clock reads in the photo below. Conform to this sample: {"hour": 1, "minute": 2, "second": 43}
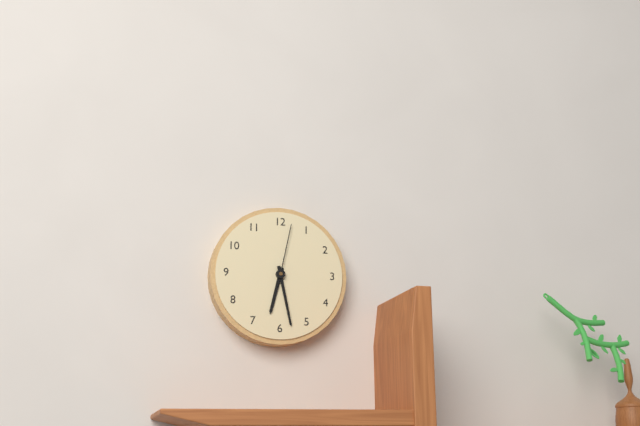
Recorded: {"hour": 6, "minute": 28, "second": 2}
